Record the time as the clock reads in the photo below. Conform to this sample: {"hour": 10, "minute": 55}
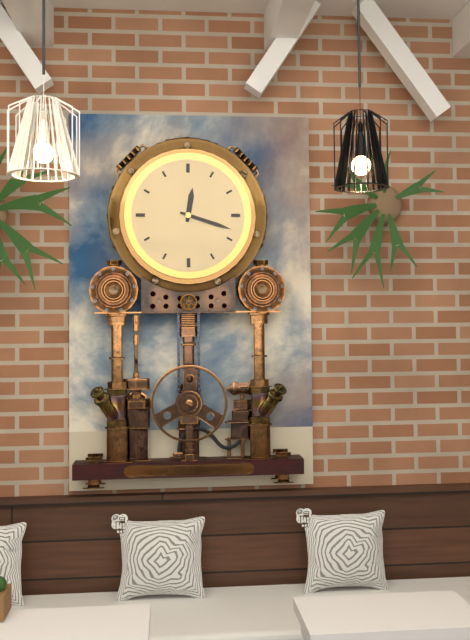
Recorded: {"hour": 12, "minute": 18}
